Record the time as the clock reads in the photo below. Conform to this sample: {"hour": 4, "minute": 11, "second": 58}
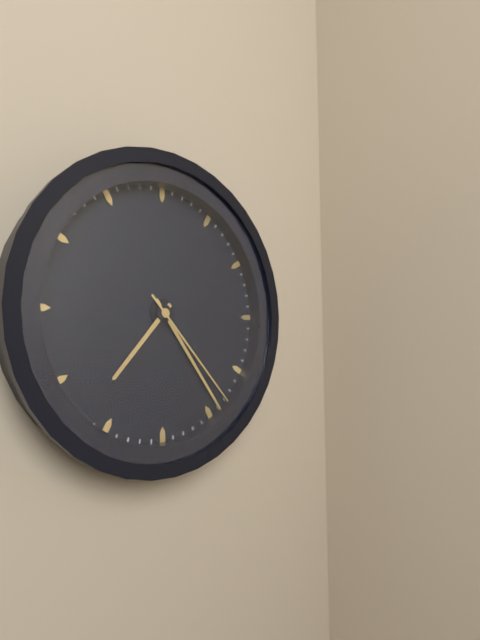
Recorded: {"hour": 7, "minute": 24, "second": 23}
